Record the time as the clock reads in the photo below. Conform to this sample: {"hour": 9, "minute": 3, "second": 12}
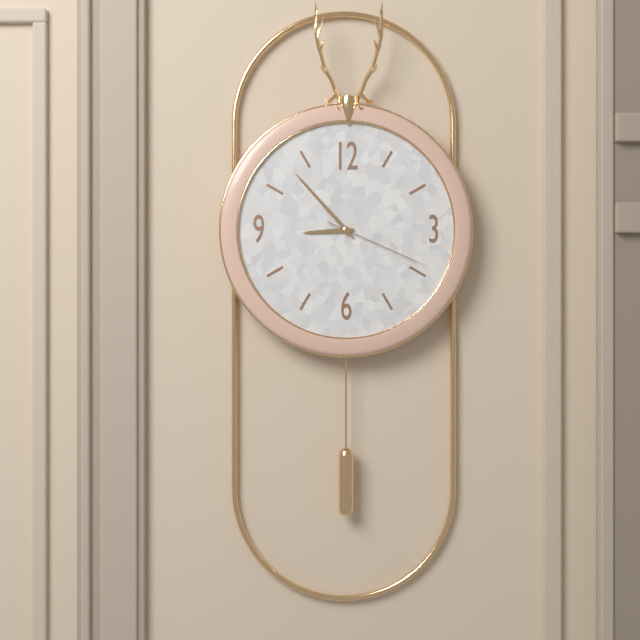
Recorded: {"hour": 8, "minute": 53, "second": 19}
